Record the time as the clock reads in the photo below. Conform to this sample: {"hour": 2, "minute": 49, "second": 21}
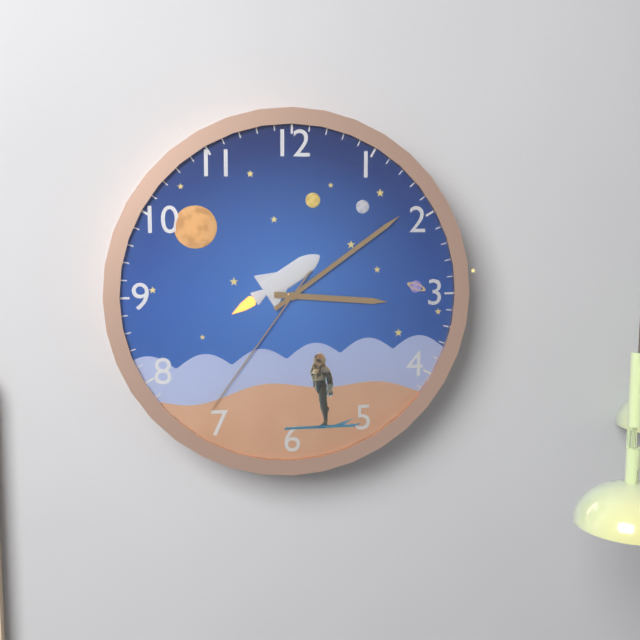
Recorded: {"hour": 3, "minute": 9, "second": 36}
